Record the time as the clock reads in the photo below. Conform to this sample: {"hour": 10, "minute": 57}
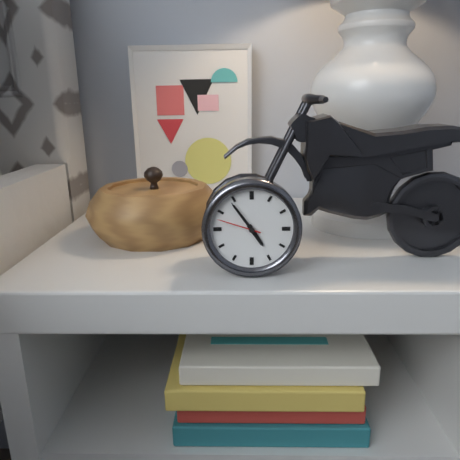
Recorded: {"hour": 4, "minute": 54}
